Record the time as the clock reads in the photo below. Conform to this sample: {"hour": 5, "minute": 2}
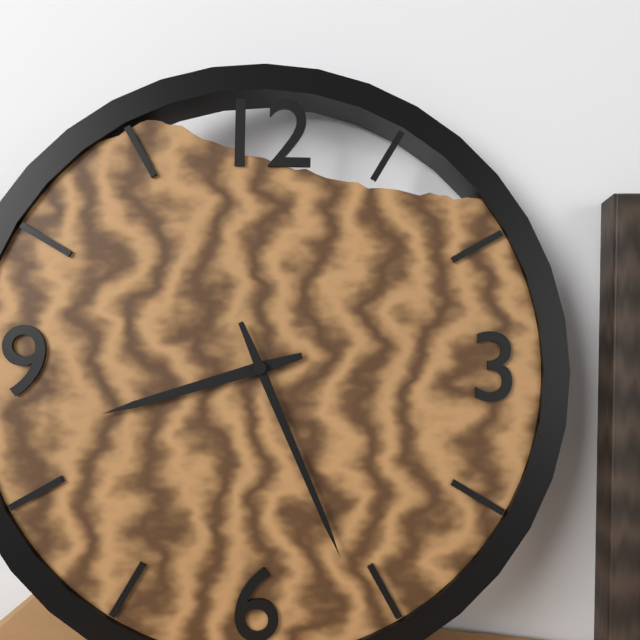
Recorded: {"hour": 8, "minute": 26}
